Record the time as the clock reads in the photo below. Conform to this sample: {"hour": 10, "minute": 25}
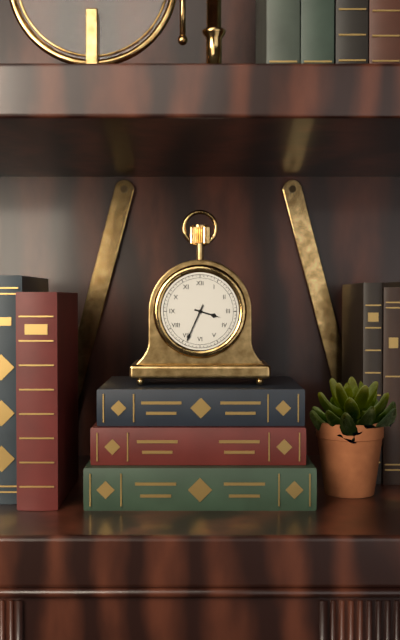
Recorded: {"hour": 3, "minute": 34}
